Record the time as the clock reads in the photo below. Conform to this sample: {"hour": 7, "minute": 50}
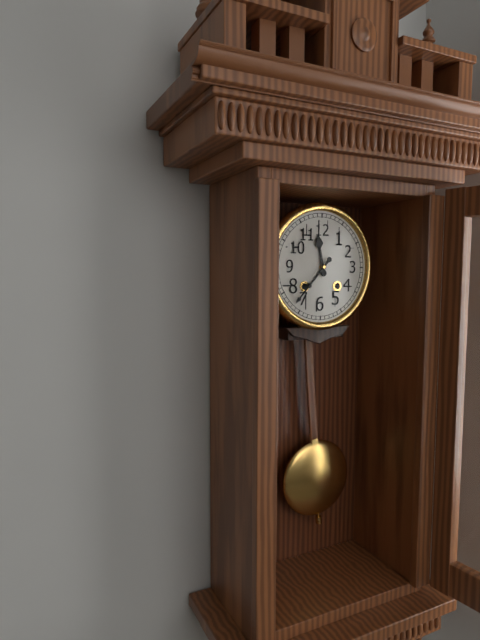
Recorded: {"hour": 11, "minute": 37}
